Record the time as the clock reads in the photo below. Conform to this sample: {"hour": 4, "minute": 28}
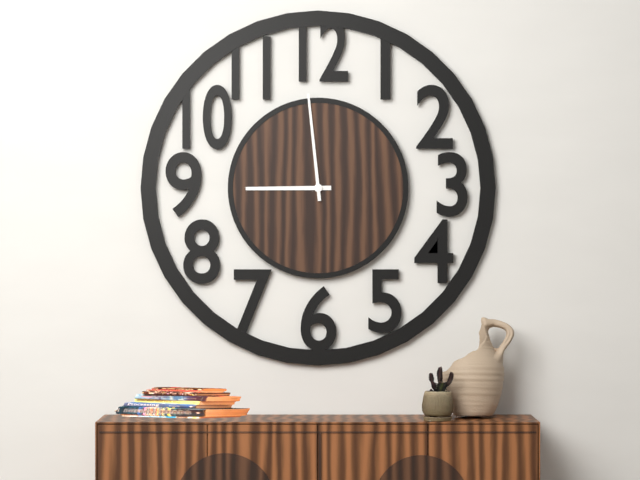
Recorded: {"hour": 8, "minute": 59}
